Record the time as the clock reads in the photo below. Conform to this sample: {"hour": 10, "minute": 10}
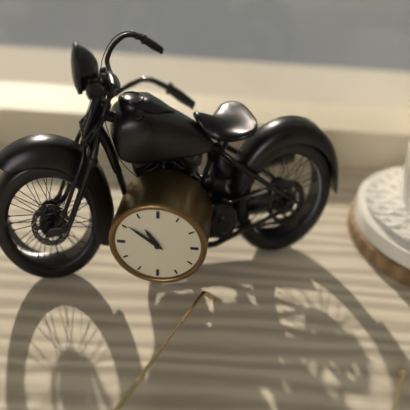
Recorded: {"hour": 10, "minute": 51}
